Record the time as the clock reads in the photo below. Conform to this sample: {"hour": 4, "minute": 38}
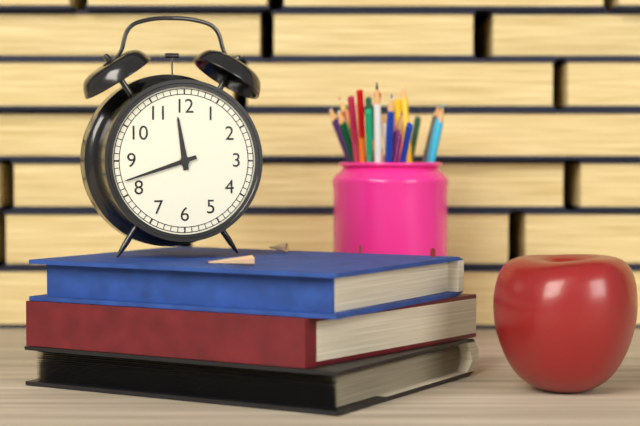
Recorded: {"hour": 11, "minute": 42}
